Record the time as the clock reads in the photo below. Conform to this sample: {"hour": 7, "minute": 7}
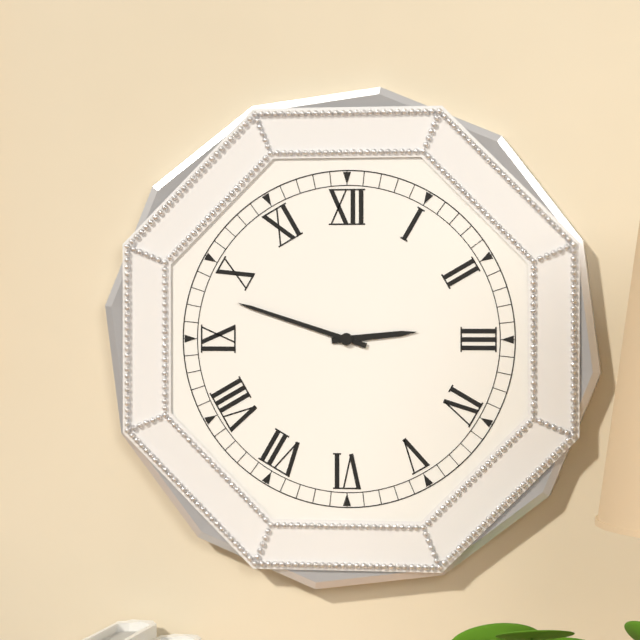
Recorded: {"hour": 2, "minute": 48}
